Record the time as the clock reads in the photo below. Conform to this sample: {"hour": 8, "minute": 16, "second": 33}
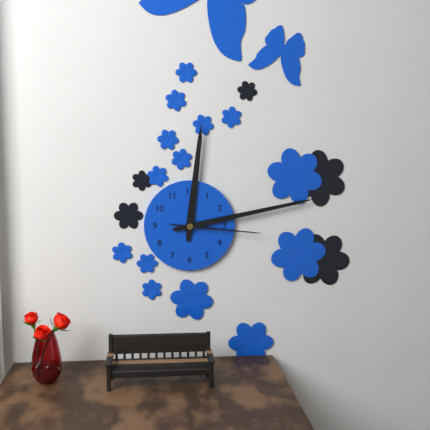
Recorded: {"hour": 12, "minute": 13, "second": 16}
